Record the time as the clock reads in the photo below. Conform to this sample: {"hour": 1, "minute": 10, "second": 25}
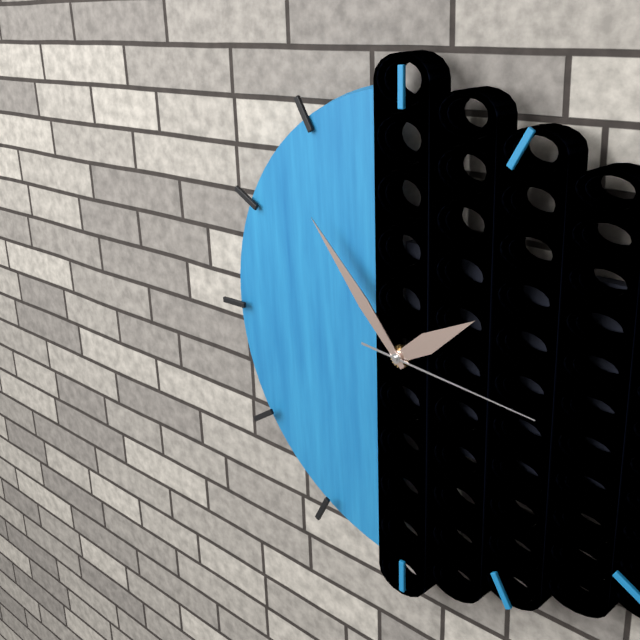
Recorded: {"hour": 1, "minute": 53, "second": 16}
